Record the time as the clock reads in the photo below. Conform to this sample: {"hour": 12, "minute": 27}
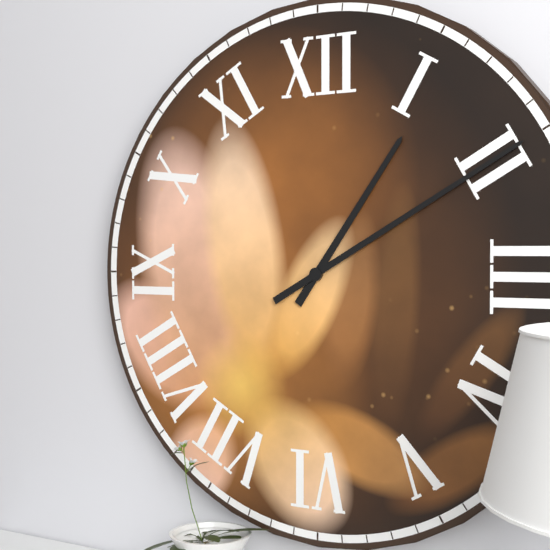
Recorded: {"hour": 1, "minute": 10}
